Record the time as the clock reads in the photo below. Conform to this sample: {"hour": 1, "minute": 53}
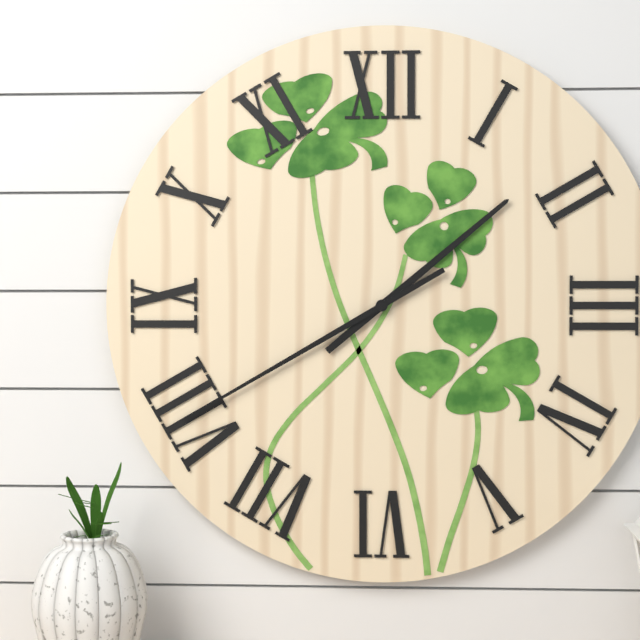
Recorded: {"hour": 1, "minute": 40}
